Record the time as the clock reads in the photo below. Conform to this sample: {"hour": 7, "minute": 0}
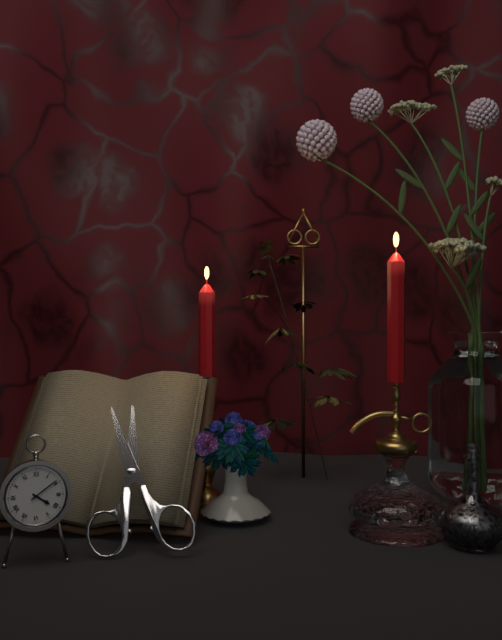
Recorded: {"hour": 4, "minute": 9}
